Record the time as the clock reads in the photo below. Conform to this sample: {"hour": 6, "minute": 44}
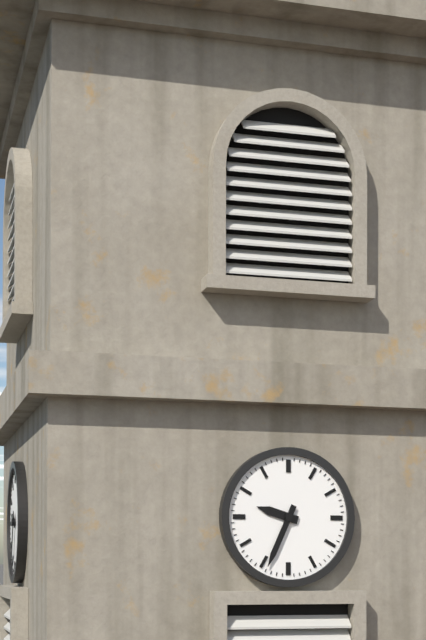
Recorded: {"hour": 9, "minute": 34}
